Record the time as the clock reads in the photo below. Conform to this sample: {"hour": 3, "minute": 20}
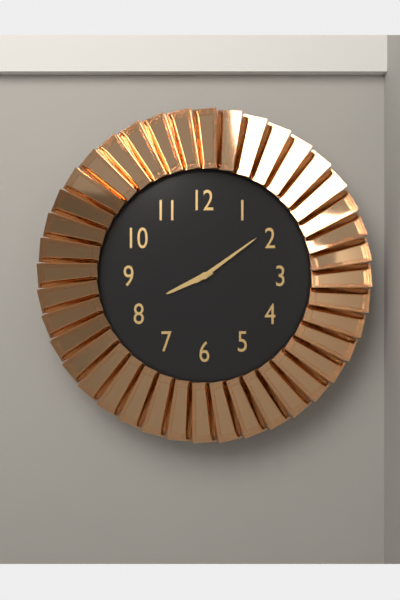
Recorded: {"hour": 8, "minute": 9}
